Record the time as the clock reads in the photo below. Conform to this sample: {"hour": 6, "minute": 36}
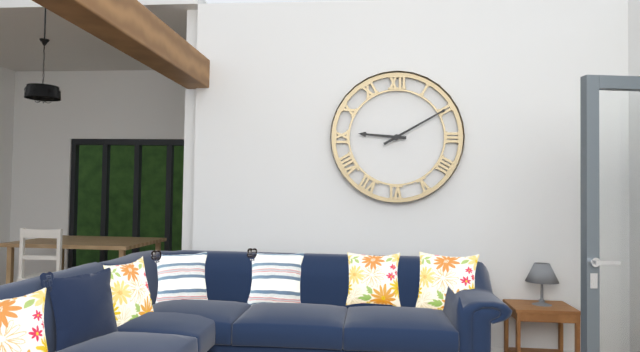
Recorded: {"hour": 9, "minute": 10}
